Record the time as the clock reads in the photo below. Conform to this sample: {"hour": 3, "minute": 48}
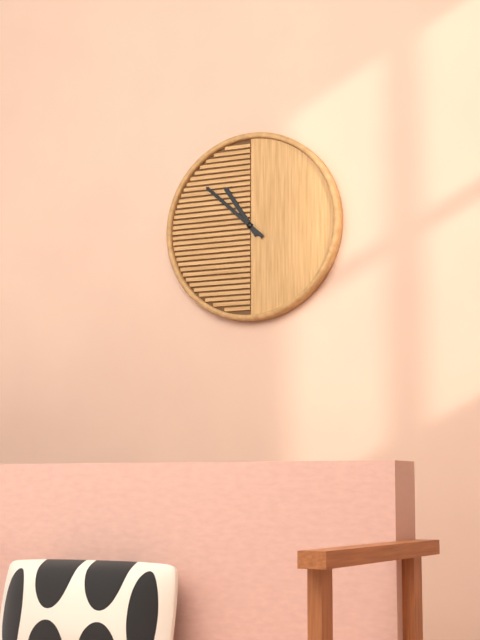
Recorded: {"hour": 10, "minute": 52}
